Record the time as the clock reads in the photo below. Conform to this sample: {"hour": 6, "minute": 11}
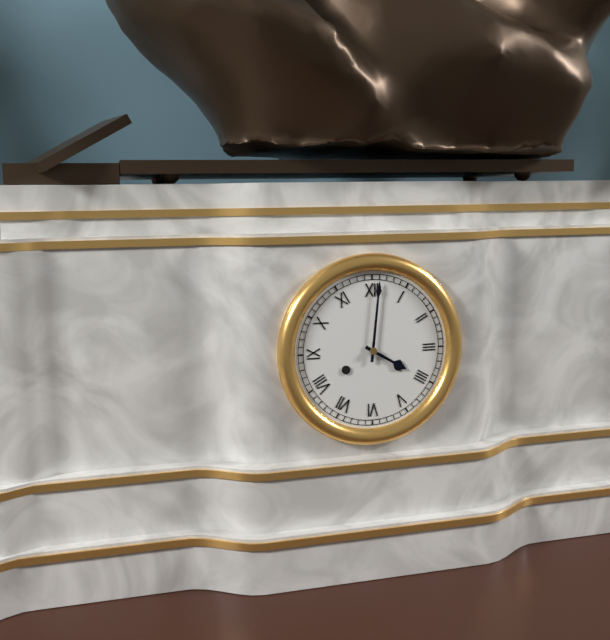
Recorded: {"hour": 4, "minute": 1}
